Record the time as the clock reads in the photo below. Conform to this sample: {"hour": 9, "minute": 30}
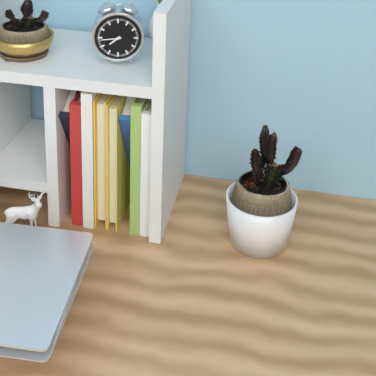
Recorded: {"hour": 7, "minute": 44}
